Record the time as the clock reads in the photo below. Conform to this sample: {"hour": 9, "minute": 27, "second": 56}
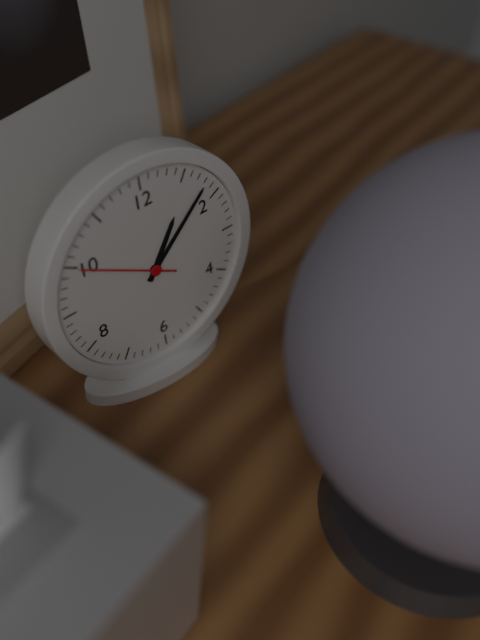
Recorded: {"hour": 1, "minute": 8, "second": 50}
